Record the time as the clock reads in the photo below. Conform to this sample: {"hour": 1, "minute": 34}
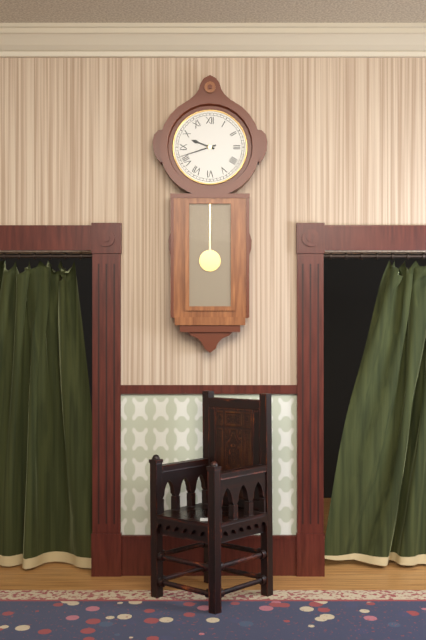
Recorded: {"hour": 9, "minute": 42}
